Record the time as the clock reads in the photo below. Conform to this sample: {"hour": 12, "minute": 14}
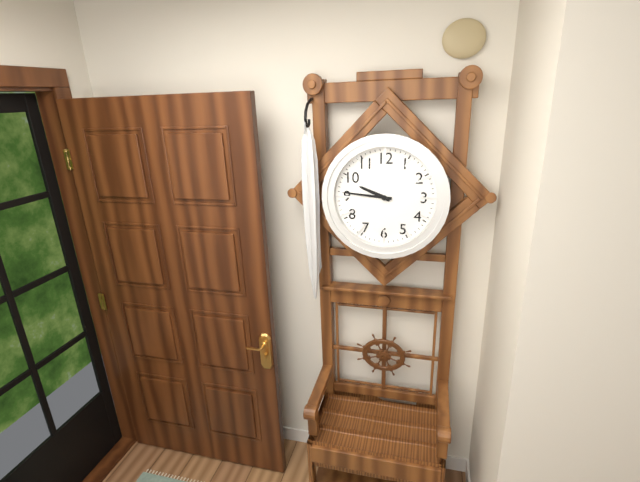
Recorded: {"hour": 9, "minute": 46}
